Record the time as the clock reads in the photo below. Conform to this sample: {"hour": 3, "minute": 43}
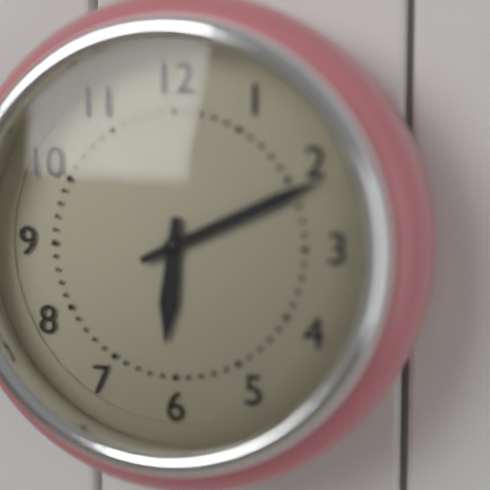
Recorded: {"hour": 6, "minute": 11}
